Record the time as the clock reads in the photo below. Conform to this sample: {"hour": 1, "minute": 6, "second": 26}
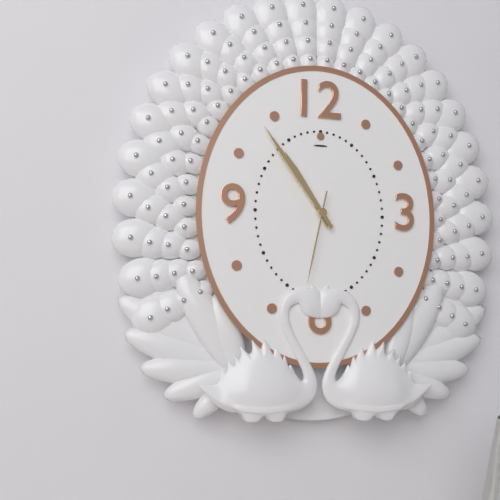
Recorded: {"hour": 10, "minute": 54, "second": 32}
